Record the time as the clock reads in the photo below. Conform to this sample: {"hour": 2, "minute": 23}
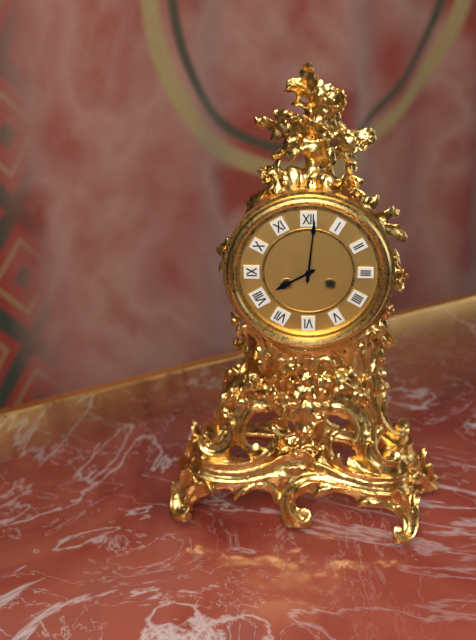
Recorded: {"hour": 8, "minute": 1}
